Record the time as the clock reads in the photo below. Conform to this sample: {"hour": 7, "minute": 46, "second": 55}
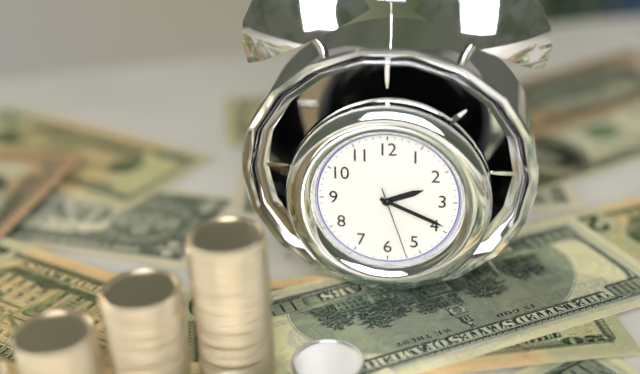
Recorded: {"hour": 2, "minute": 19, "second": 27}
